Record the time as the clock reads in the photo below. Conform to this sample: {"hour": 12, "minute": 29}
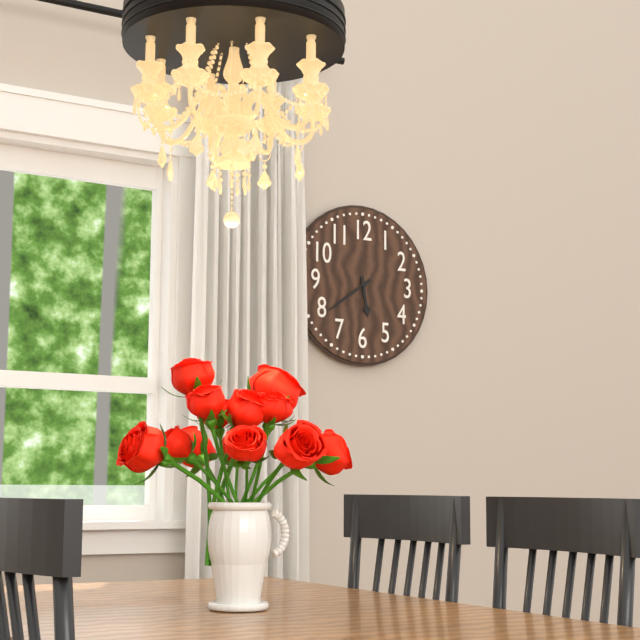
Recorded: {"hour": 5, "minute": 39}
